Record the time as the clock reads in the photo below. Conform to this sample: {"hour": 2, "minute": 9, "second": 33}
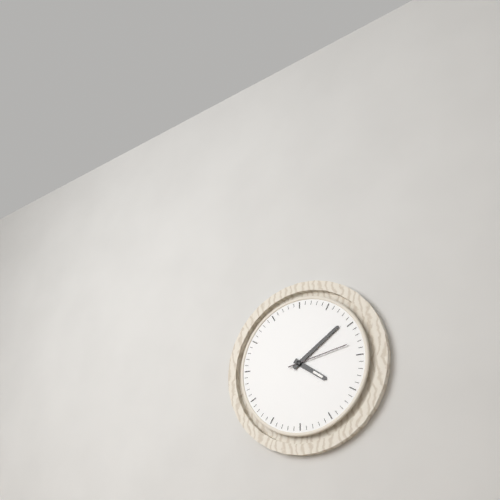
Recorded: {"hour": 4, "minute": 9, "second": 13}
